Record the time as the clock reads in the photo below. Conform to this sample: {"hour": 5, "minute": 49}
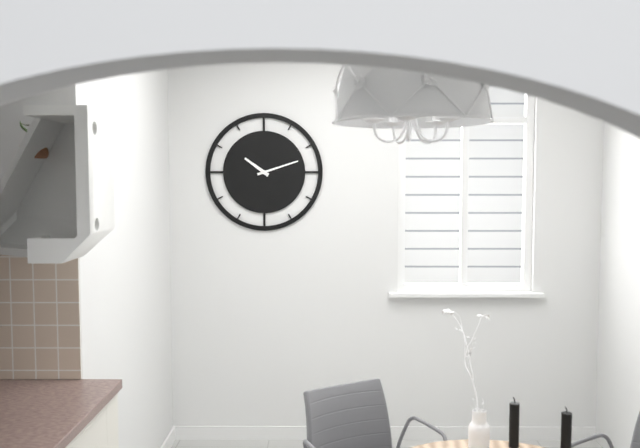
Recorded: {"hour": 10, "minute": 12}
